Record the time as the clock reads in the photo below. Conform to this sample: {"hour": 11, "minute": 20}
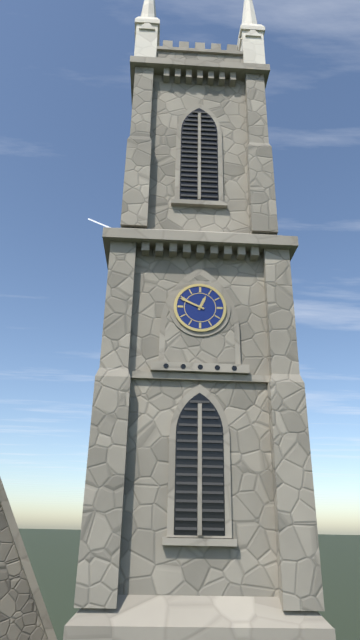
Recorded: {"hour": 12, "minute": 49}
